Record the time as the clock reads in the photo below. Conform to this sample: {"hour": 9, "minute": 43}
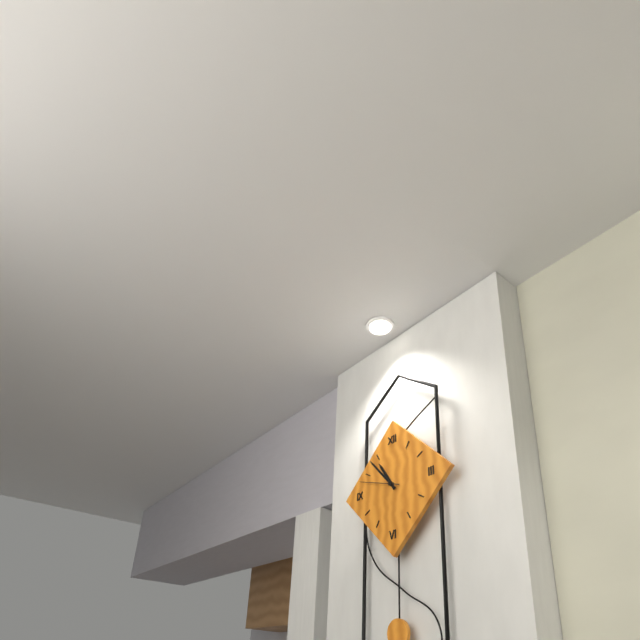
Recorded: {"hour": 10, "minute": 53}
